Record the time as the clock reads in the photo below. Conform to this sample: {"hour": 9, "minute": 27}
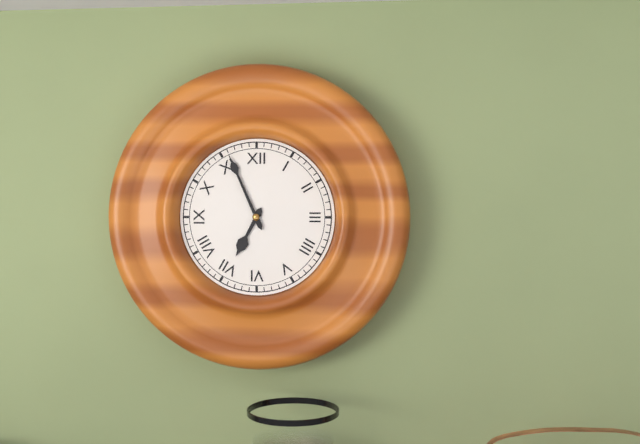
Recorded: {"hour": 6, "minute": 56}
